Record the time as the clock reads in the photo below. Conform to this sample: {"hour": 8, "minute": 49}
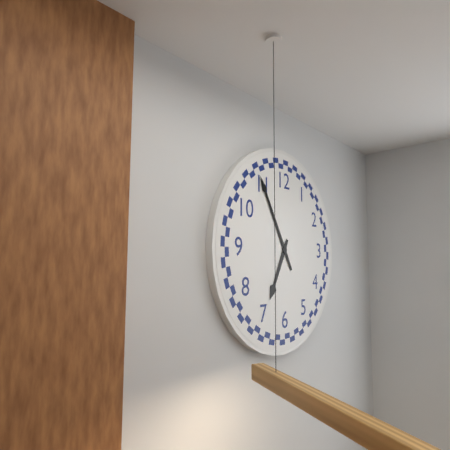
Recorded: {"hour": 6, "minute": 55}
